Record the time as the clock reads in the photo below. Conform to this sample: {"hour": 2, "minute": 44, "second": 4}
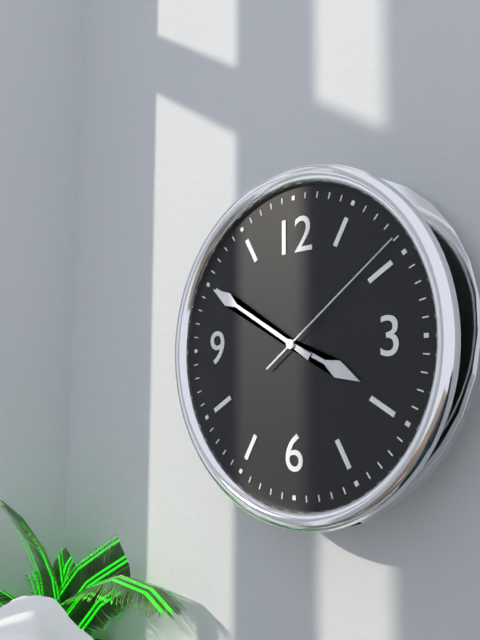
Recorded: {"hour": 3, "minute": 50, "second": 9}
